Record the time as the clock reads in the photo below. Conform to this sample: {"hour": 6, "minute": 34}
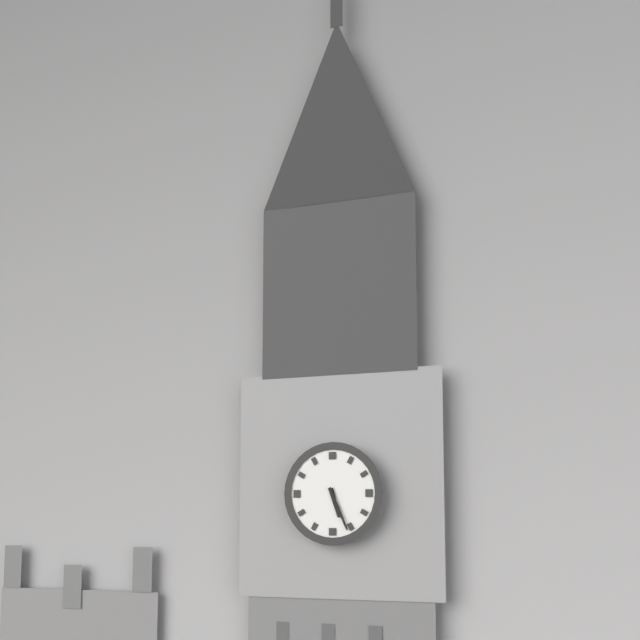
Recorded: {"hour": 5, "minute": 26}
